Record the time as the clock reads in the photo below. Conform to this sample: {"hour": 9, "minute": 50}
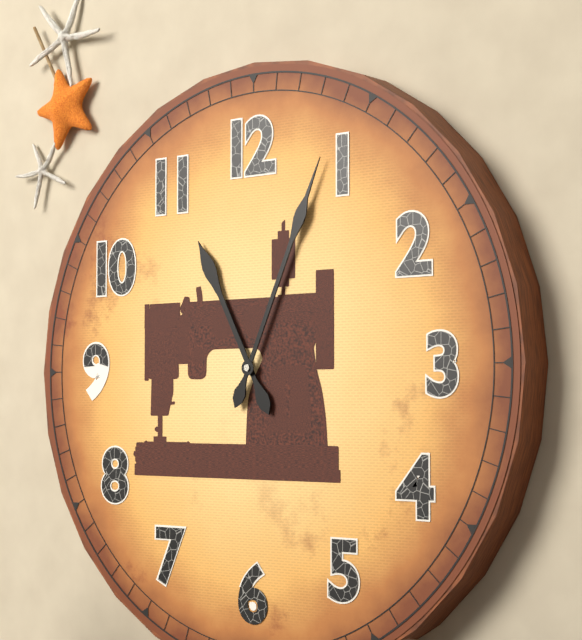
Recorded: {"hour": 11, "minute": 4}
